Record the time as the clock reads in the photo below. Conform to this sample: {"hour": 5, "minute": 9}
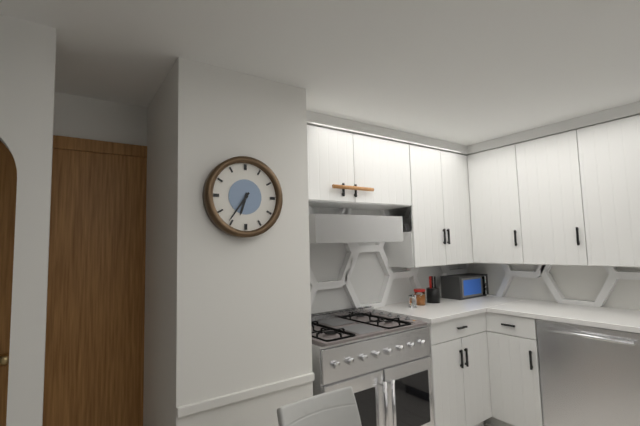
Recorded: {"hour": 6, "minute": 36}
